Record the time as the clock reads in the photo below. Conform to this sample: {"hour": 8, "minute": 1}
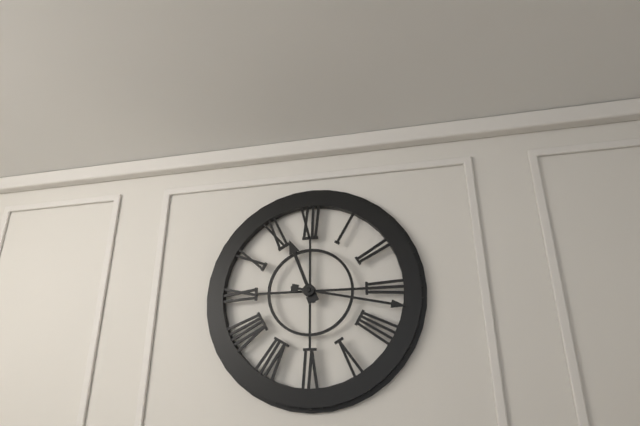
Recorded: {"hour": 11, "minute": 17}
